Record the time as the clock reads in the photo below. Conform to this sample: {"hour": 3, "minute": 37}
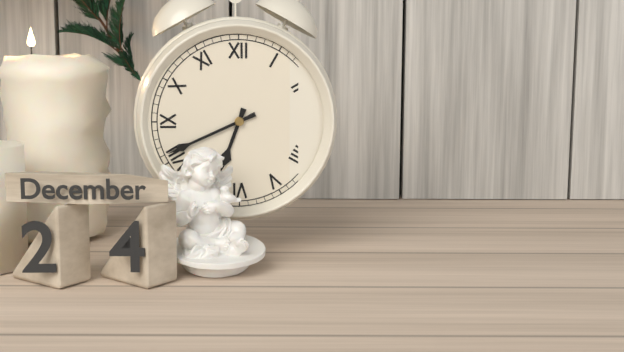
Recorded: {"hour": 6, "minute": 41}
